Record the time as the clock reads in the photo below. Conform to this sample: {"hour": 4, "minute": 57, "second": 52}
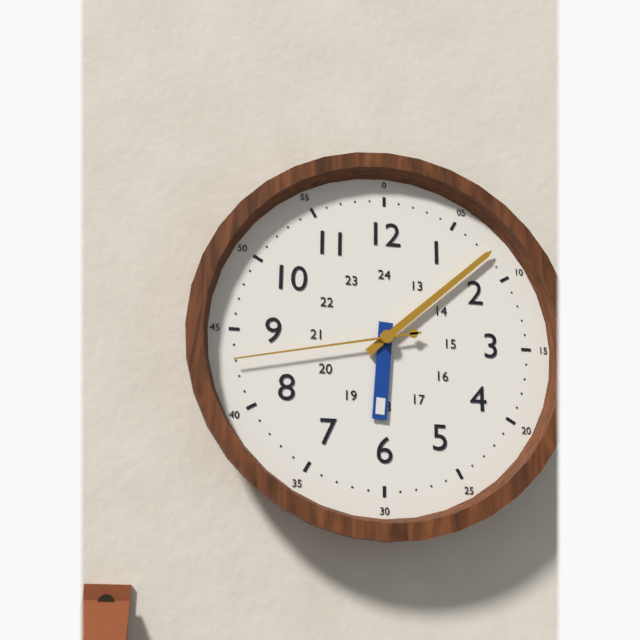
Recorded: {"hour": 6, "minute": 8, "second": 43}
